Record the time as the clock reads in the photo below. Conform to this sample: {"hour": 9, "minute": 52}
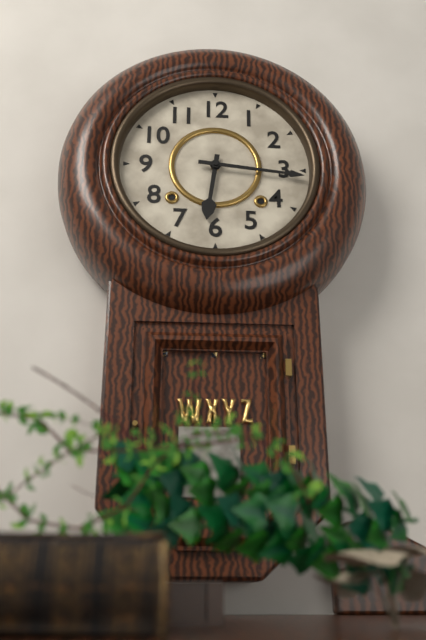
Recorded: {"hour": 6, "minute": 16}
